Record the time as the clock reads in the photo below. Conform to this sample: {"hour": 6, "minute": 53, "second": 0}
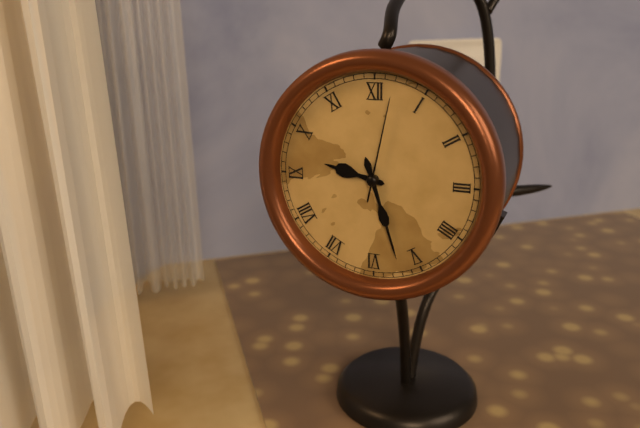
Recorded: {"hour": 9, "minute": 27, "second": 2}
